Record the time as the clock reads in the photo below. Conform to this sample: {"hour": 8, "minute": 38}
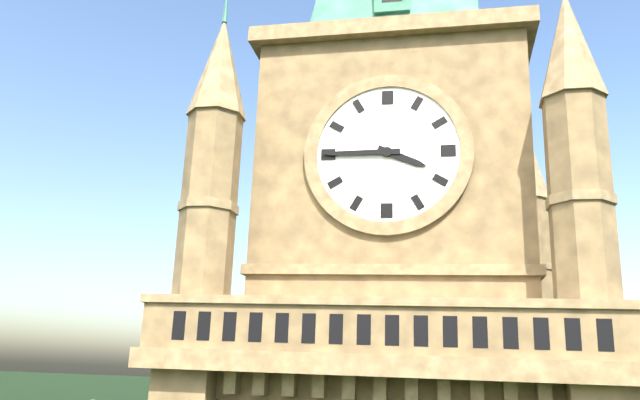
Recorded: {"hour": 3, "minute": 45}
